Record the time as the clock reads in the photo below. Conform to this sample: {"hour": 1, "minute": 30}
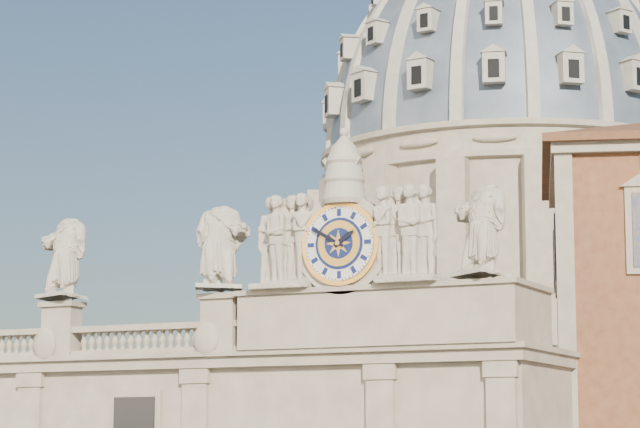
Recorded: {"hour": 1, "minute": 50}
